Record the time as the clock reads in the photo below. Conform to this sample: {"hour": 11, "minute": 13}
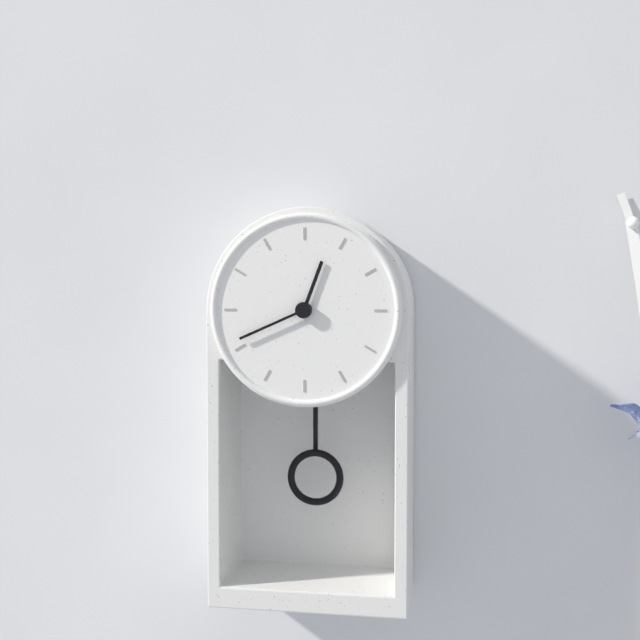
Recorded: {"hour": 12, "minute": 41}
